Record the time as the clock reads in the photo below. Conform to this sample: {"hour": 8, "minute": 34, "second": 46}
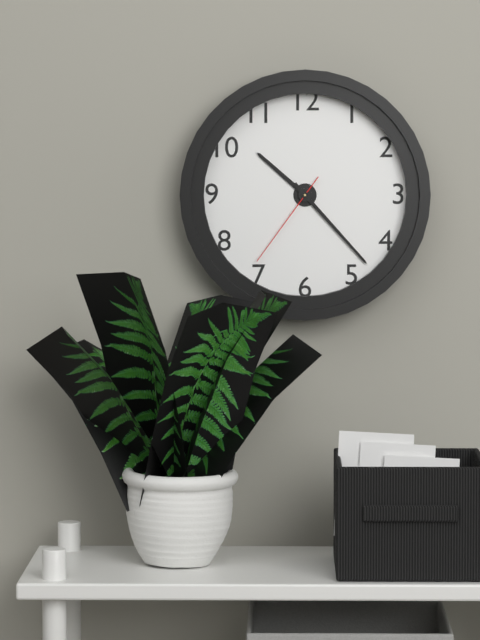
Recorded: {"hour": 10, "minute": 23, "second": 36}
